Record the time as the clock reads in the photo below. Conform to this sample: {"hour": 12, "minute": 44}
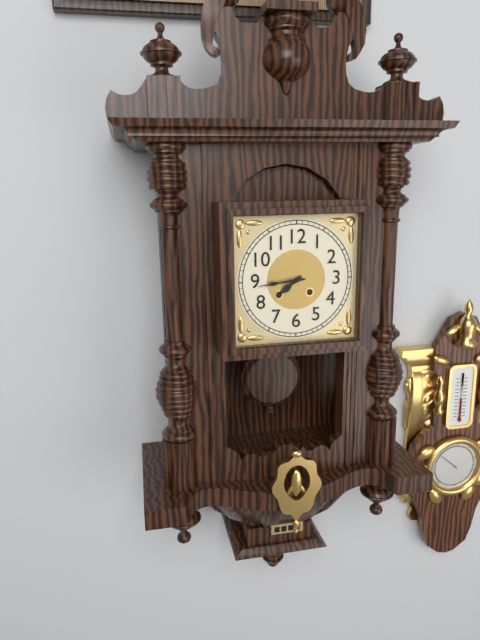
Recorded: {"hour": 7, "minute": 44}
